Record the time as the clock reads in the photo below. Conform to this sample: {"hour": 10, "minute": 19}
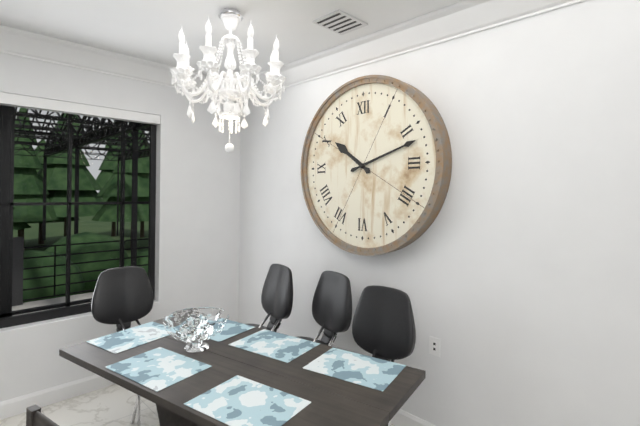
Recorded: {"hour": 10, "minute": 12}
